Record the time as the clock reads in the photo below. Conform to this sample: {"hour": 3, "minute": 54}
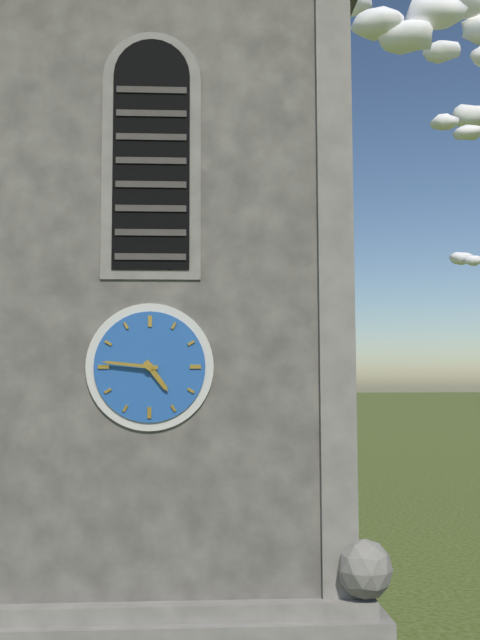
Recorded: {"hour": 4, "minute": 46}
